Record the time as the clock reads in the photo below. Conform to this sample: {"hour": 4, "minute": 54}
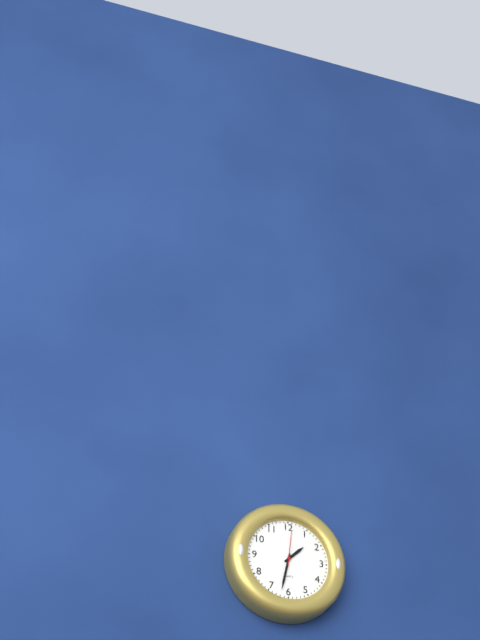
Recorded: {"hour": 1, "minute": 32}
